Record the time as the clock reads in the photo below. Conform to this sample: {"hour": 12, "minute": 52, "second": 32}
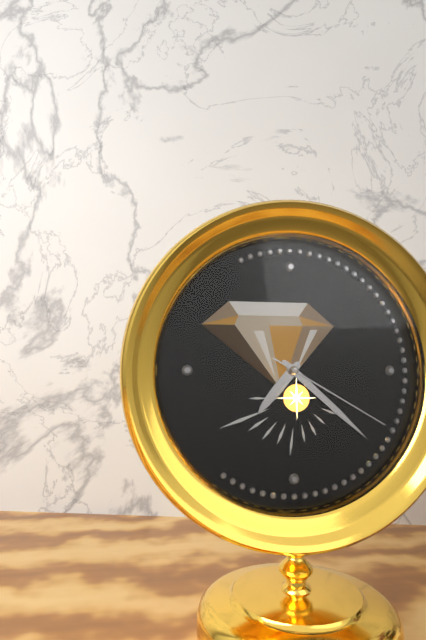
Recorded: {"hour": 7, "minute": 22, "second": 20}
